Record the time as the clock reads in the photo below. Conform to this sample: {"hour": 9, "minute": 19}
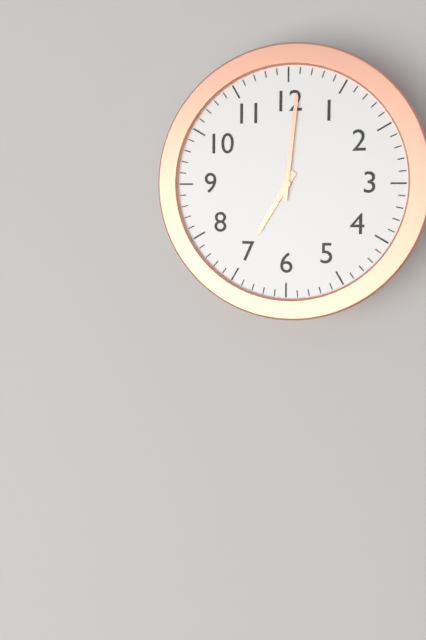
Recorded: {"hour": 7, "minute": 1}
